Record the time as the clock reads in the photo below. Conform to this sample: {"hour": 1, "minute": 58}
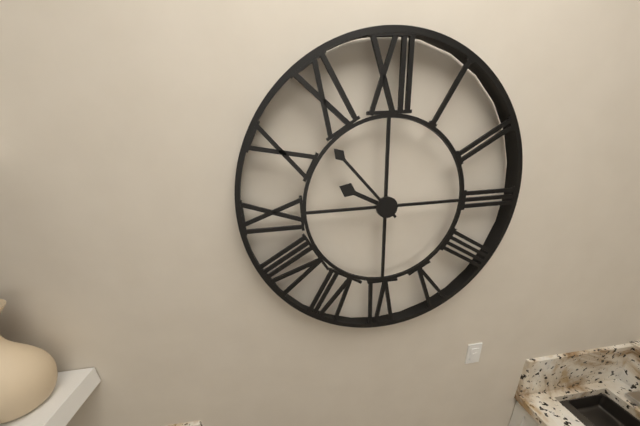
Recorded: {"hour": 9, "minute": 53}
